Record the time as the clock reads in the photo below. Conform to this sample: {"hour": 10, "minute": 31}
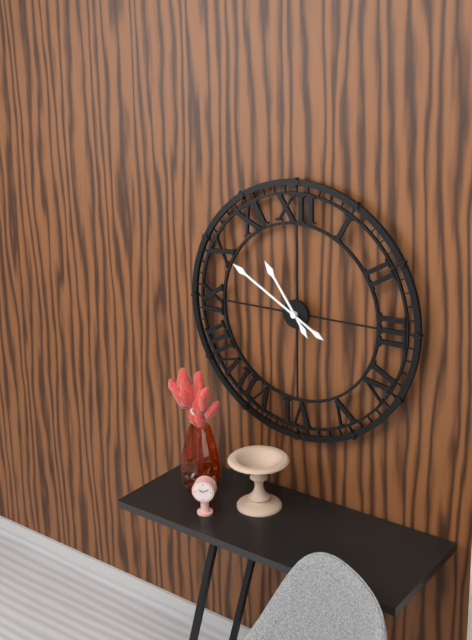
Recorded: {"hour": 10, "minute": 50}
